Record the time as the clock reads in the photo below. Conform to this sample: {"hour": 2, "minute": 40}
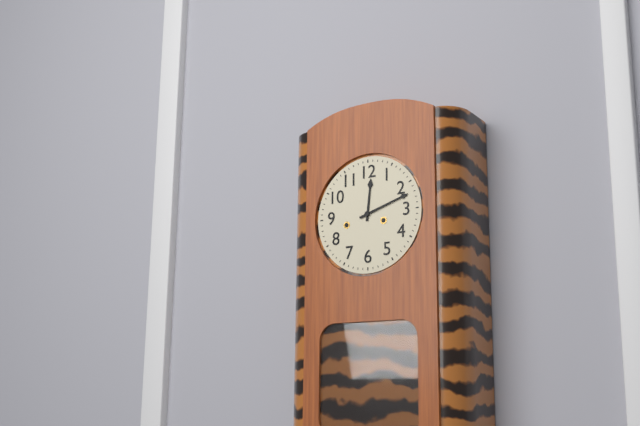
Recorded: {"hour": 12, "minute": 12}
